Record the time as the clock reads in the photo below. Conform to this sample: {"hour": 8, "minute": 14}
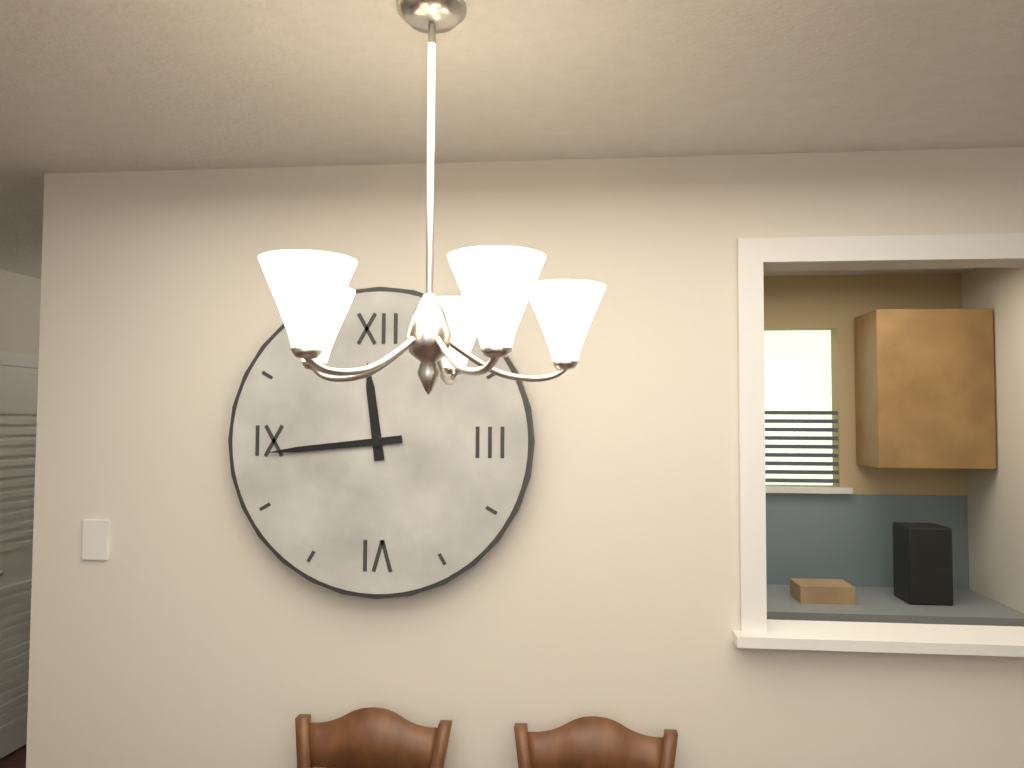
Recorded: {"hour": 11, "minute": 44}
